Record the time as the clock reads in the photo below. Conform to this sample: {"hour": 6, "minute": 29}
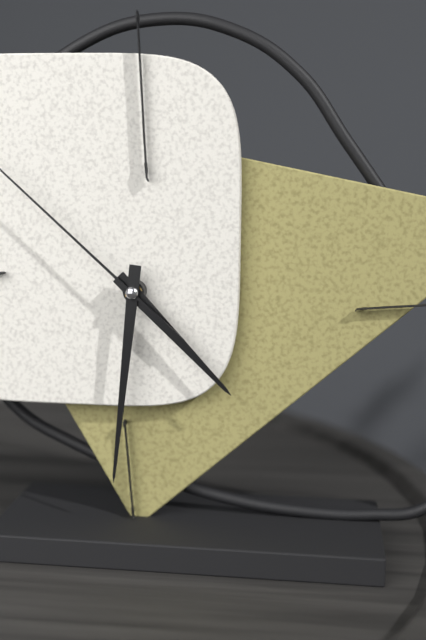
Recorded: {"hour": 4, "minute": 31}
